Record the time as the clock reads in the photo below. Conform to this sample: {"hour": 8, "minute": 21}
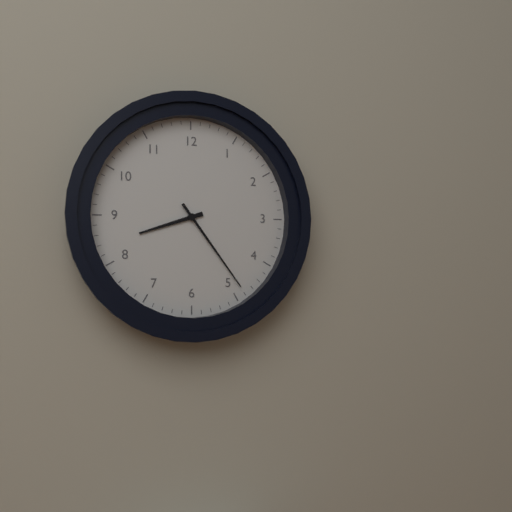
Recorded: {"hour": 8, "minute": 24}
